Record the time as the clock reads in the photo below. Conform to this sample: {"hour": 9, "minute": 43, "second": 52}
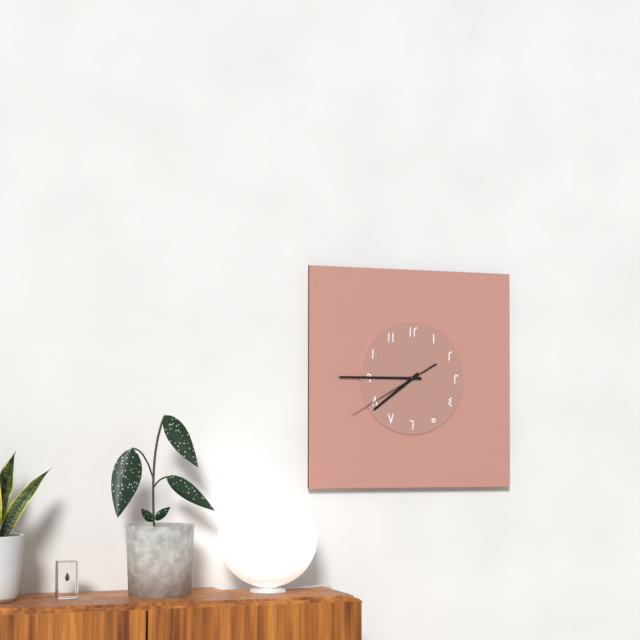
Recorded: {"hour": 7, "minute": 45, "second": 40}
